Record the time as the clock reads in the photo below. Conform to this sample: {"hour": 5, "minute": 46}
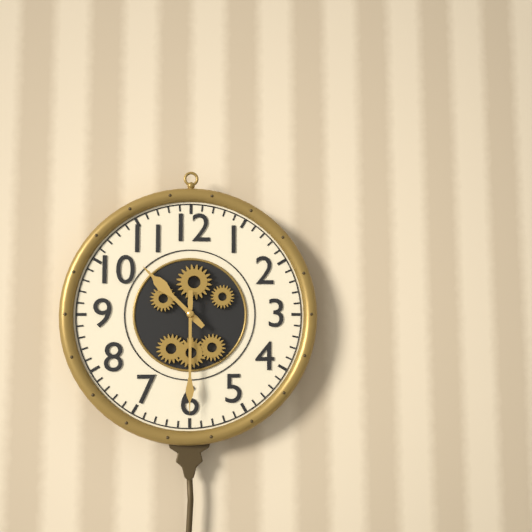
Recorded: {"hour": 10, "minute": 30}
